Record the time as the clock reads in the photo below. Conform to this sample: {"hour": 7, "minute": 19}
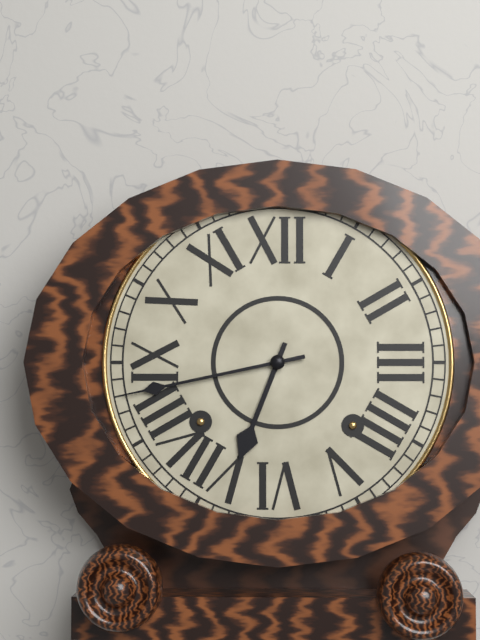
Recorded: {"hour": 6, "minute": 43}
